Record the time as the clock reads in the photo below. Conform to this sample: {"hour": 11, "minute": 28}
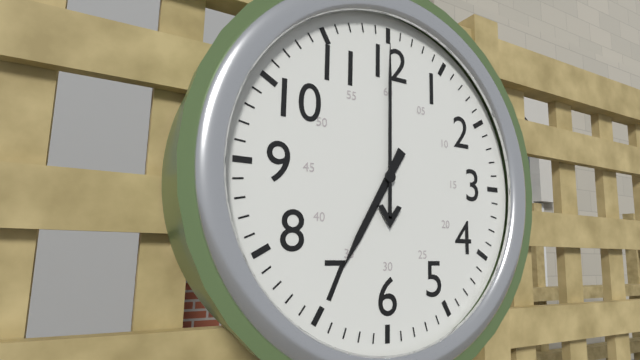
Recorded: {"hour": 7, "minute": 0}
